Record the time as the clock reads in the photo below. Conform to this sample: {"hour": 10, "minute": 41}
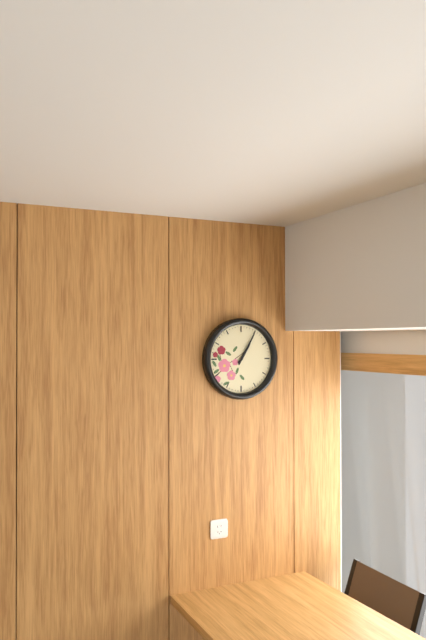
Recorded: {"hour": 1, "minute": 5}
